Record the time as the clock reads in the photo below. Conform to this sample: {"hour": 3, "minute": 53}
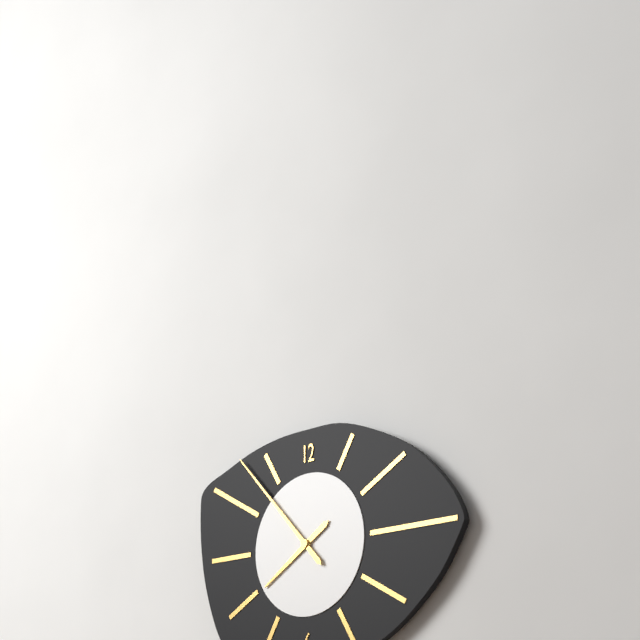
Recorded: {"hour": 7, "minute": 53}
